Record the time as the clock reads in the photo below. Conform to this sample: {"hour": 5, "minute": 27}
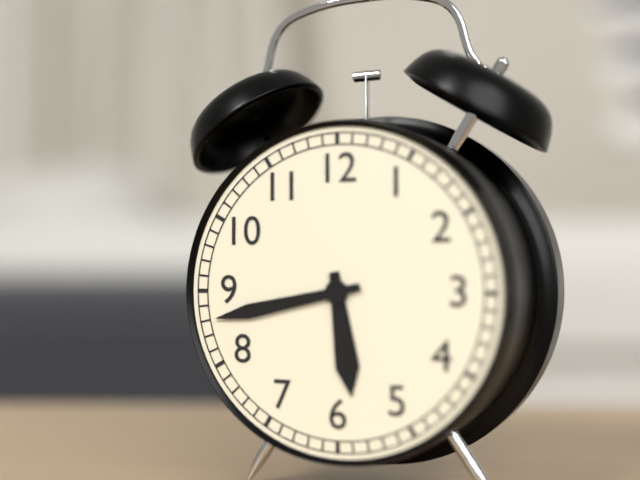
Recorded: {"hour": 5, "minute": 43}
